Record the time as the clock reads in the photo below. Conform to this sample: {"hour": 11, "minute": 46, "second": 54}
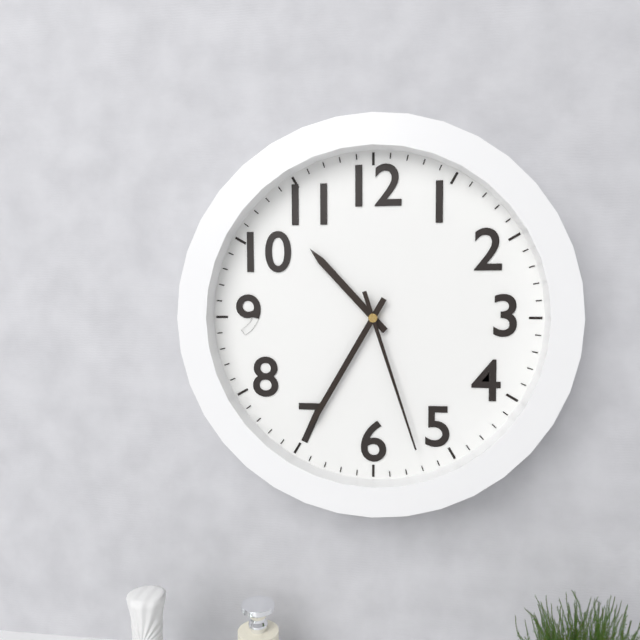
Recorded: {"hour": 10, "minute": 35, "second": 27}
